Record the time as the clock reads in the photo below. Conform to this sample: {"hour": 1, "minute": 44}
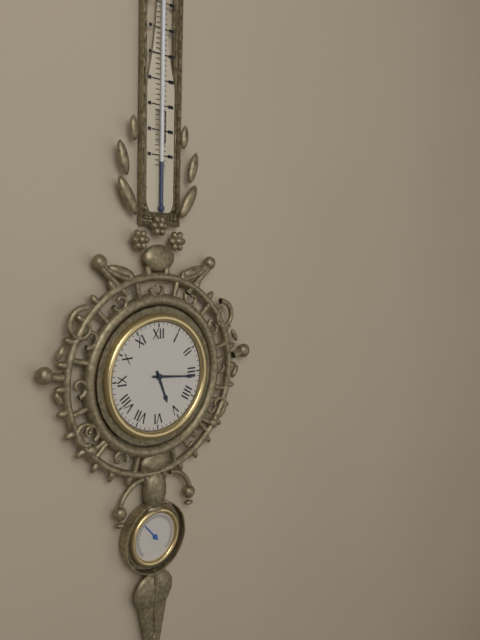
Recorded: {"hour": 5, "minute": 16}
